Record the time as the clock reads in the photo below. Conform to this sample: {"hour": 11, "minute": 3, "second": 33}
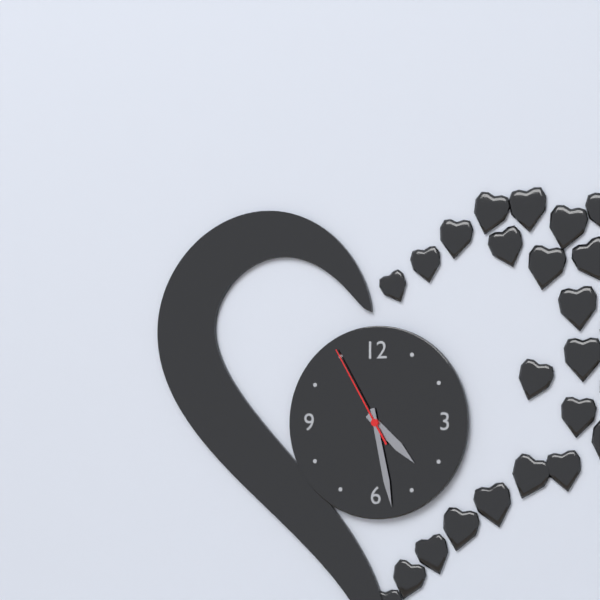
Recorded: {"hour": 4, "minute": 28, "second": 55}
